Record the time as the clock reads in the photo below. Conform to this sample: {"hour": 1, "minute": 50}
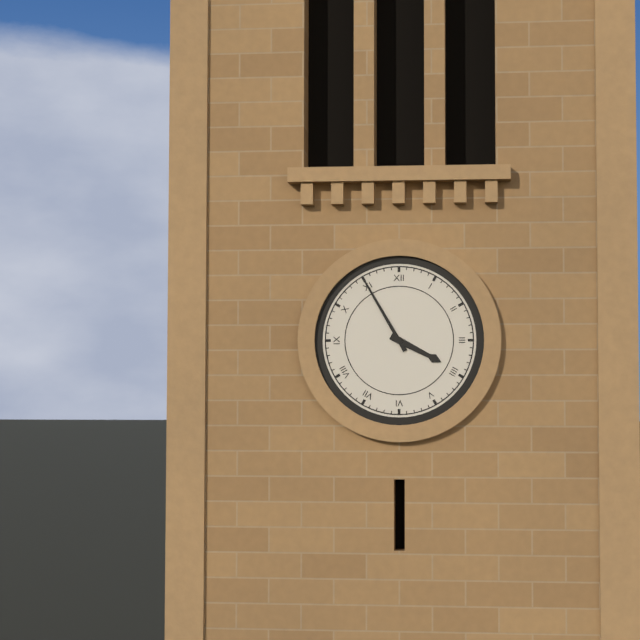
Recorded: {"hour": 3, "minute": 55}
